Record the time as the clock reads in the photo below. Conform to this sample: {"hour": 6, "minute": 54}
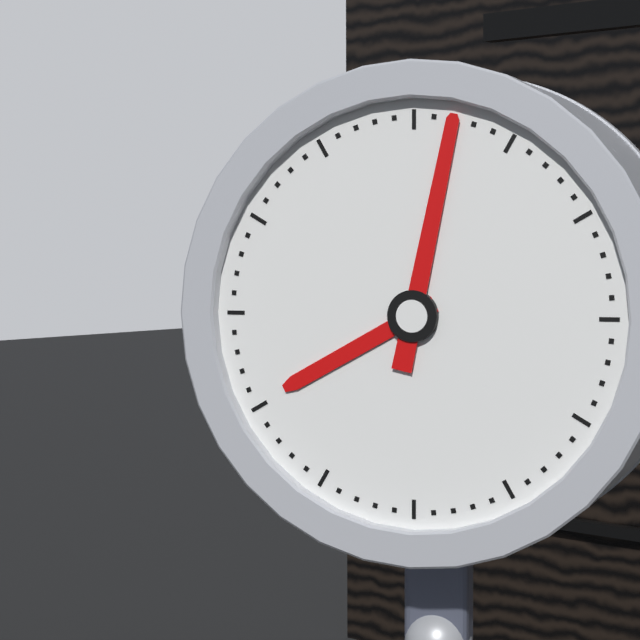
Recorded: {"hour": 8, "minute": 2}
